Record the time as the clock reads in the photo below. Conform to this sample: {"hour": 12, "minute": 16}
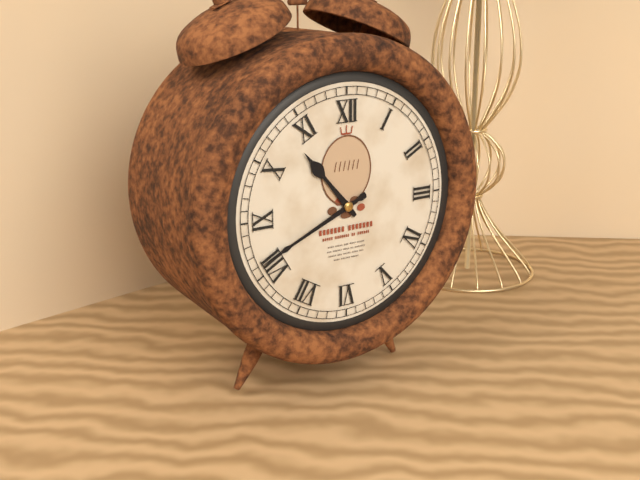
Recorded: {"hour": 10, "minute": 41}
